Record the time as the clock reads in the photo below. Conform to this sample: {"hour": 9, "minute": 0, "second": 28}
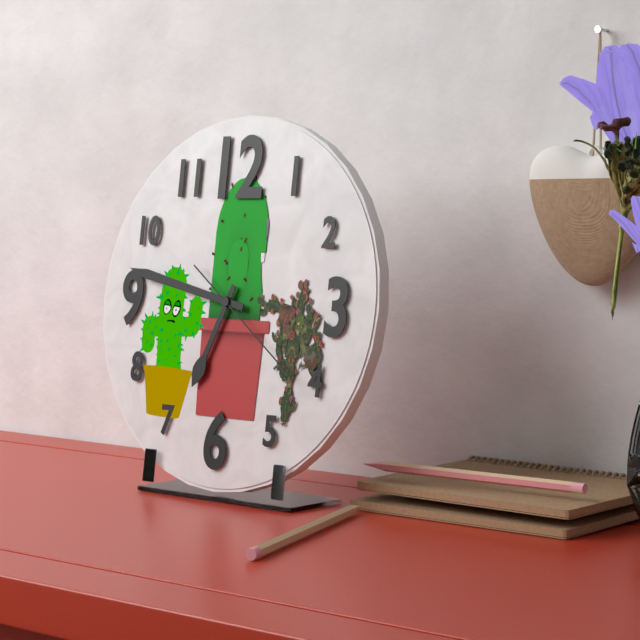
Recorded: {"hour": 6, "minute": 47, "second": 21}
